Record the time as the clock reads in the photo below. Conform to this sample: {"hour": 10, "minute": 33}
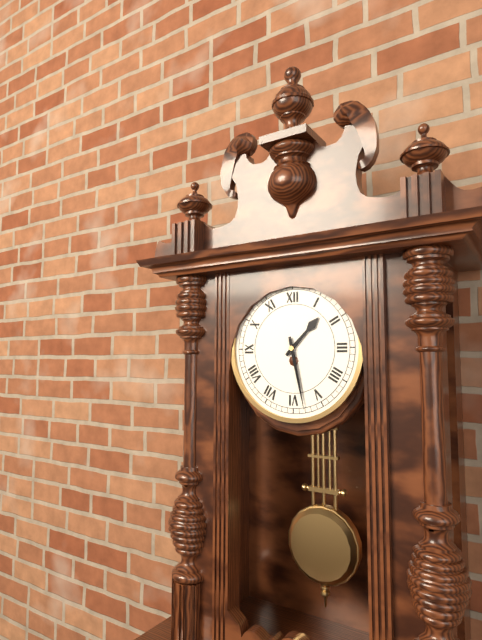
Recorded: {"hour": 1, "minute": 28}
